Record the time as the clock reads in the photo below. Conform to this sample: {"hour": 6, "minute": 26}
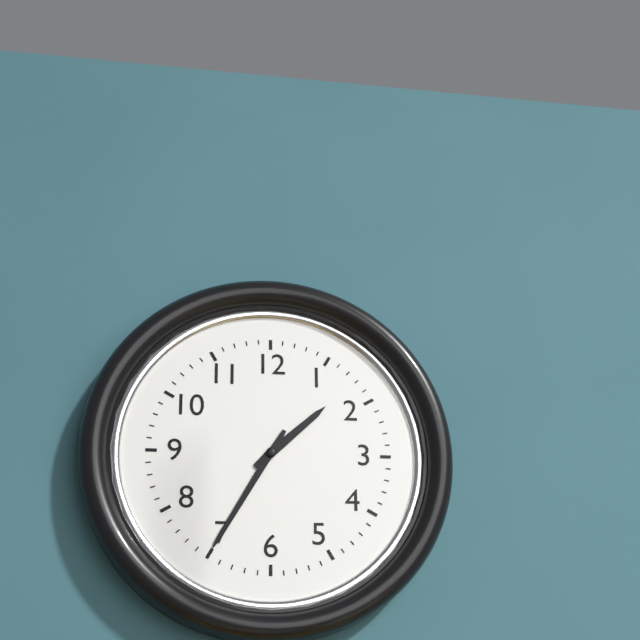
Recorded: {"hour": 1, "minute": 35}
